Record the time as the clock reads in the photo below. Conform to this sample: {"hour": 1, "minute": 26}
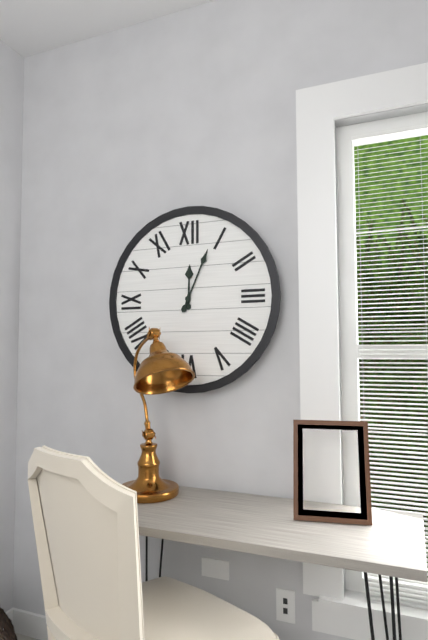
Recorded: {"hour": 12, "minute": 4}
